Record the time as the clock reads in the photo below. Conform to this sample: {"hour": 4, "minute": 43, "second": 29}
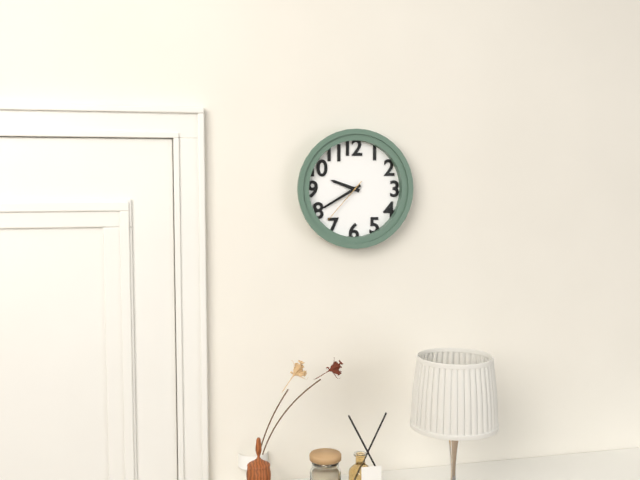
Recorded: {"hour": 9, "minute": 40, "second": 37}
